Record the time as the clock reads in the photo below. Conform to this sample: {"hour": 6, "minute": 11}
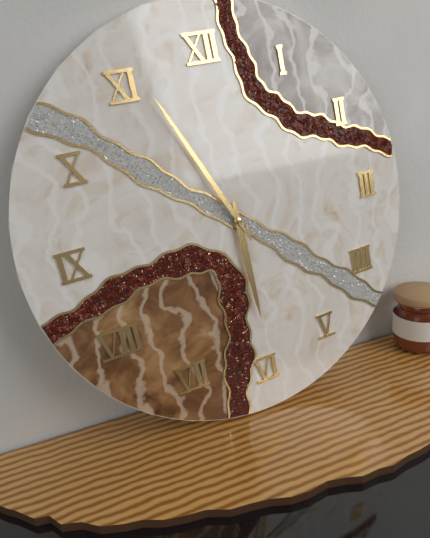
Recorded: {"hour": 5, "minute": 56}
